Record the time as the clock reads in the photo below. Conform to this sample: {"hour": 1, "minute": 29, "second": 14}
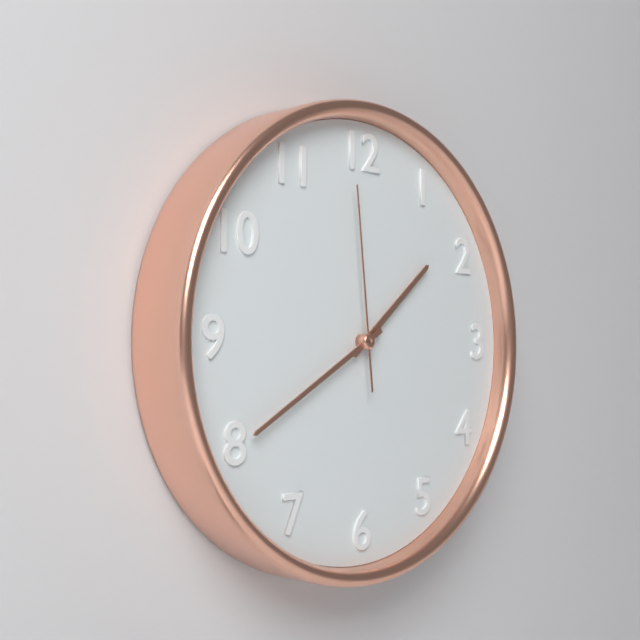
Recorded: {"hour": 1, "minute": 40, "second": 59}
